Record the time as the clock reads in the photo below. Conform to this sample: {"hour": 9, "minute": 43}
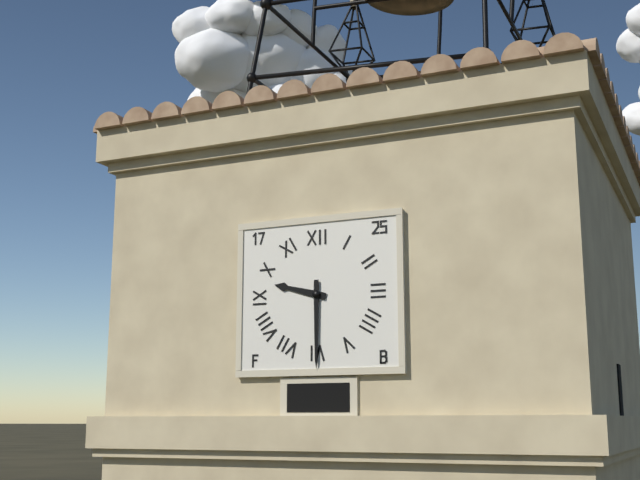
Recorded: {"hour": 9, "minute": 30}
